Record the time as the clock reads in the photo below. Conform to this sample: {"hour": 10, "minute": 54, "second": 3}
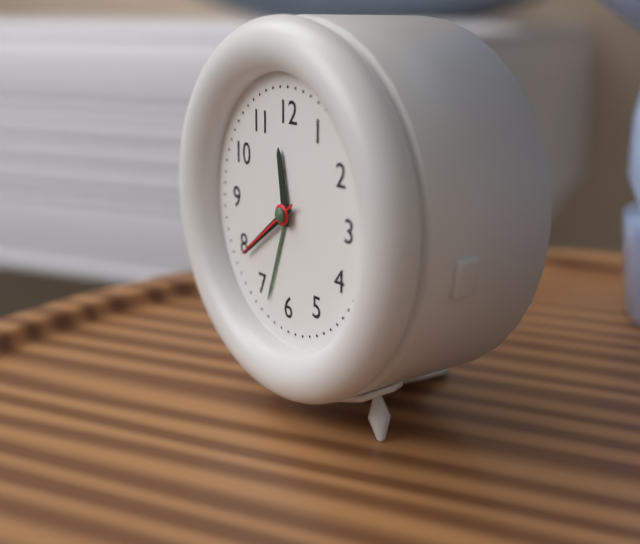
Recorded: {"hour": 11, "minute": 39, "second": 39}
